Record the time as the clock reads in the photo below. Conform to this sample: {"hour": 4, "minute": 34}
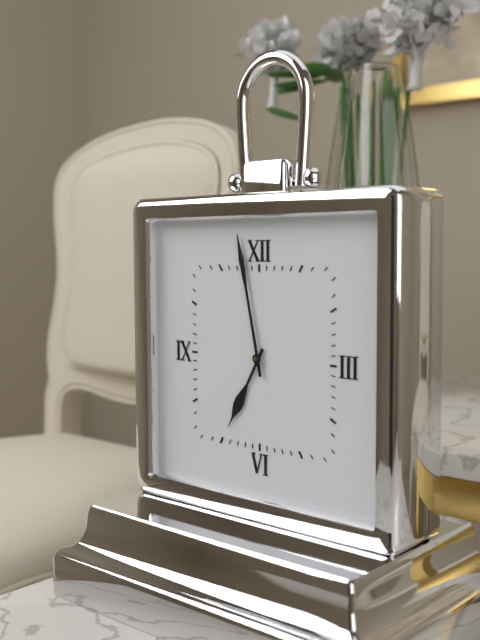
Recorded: {"hour": 6, "minute": 58}
